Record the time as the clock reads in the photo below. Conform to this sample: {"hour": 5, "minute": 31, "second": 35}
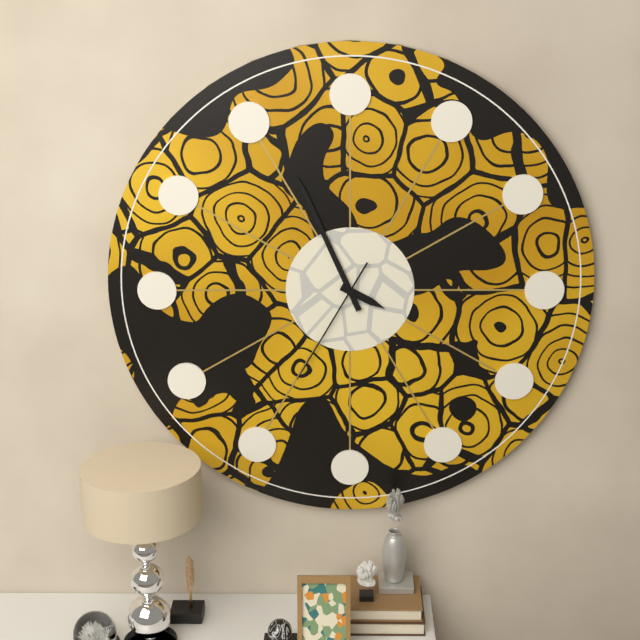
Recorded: {"hour": 3, "minute": 56, "second": 35}
